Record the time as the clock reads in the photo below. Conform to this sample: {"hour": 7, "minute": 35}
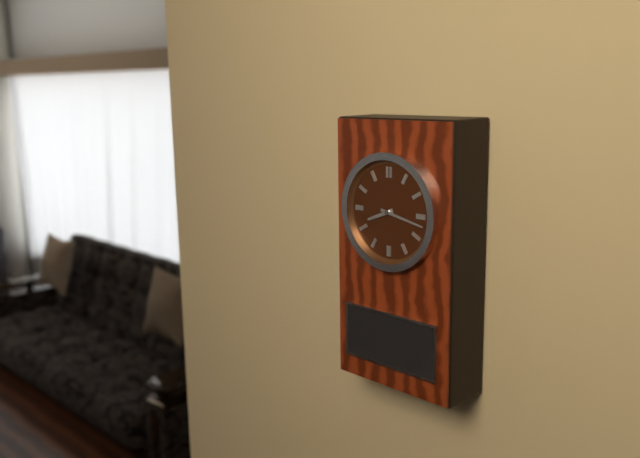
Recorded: {"hour": 8, "minute": 17}
